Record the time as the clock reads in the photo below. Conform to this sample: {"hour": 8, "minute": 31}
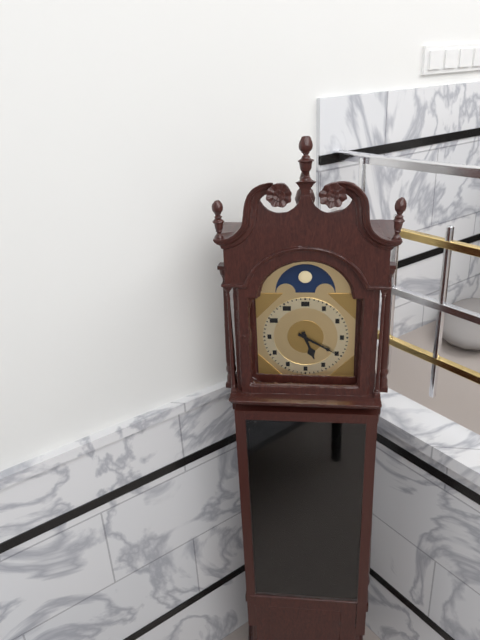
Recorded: {"hour": 5, "minute": 20}
